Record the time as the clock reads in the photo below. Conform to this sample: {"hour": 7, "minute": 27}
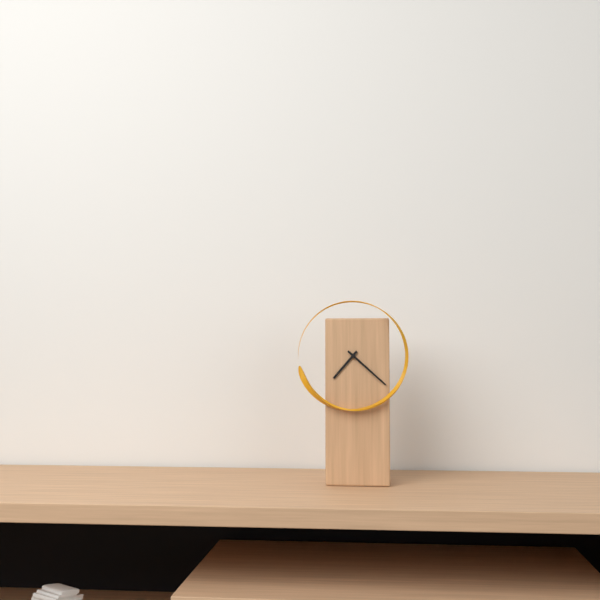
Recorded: {"hour": 7, "minute": 22}
